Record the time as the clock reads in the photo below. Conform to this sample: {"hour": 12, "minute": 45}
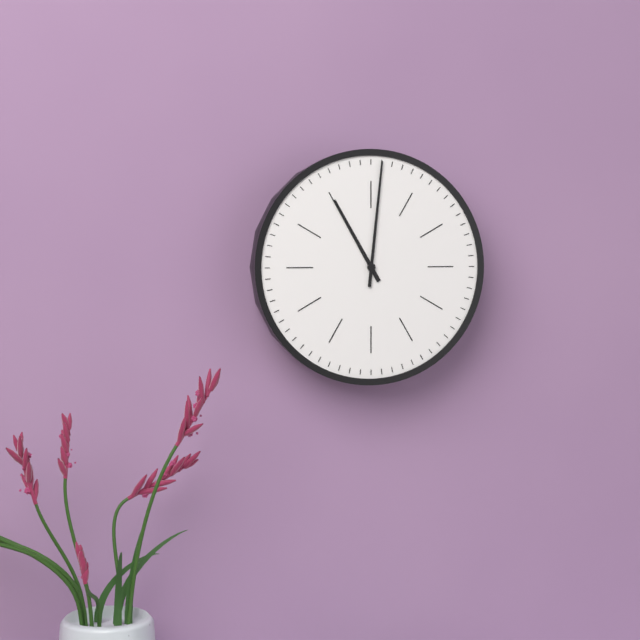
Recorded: {"hour": 11, "minute": 1}
